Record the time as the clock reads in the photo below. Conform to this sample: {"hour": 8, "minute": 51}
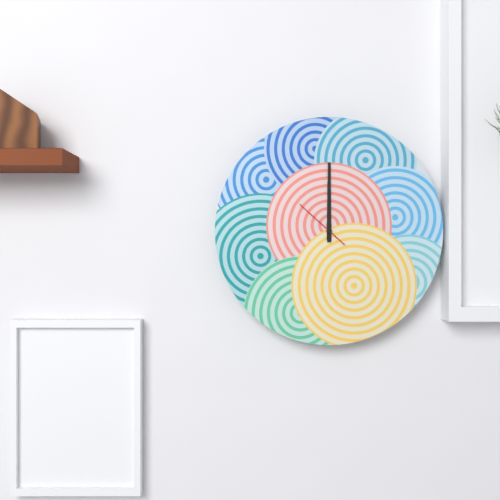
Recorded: {"hour": 12, "minute": 0}
